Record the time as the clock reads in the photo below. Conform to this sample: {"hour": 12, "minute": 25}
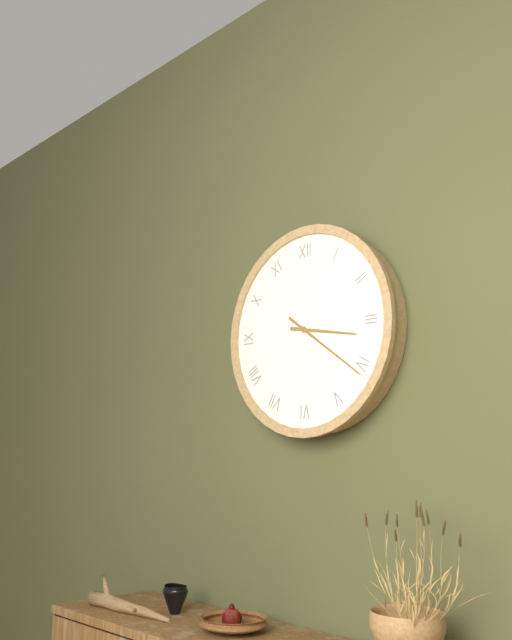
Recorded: {"hour": 3, "minute": 21}
